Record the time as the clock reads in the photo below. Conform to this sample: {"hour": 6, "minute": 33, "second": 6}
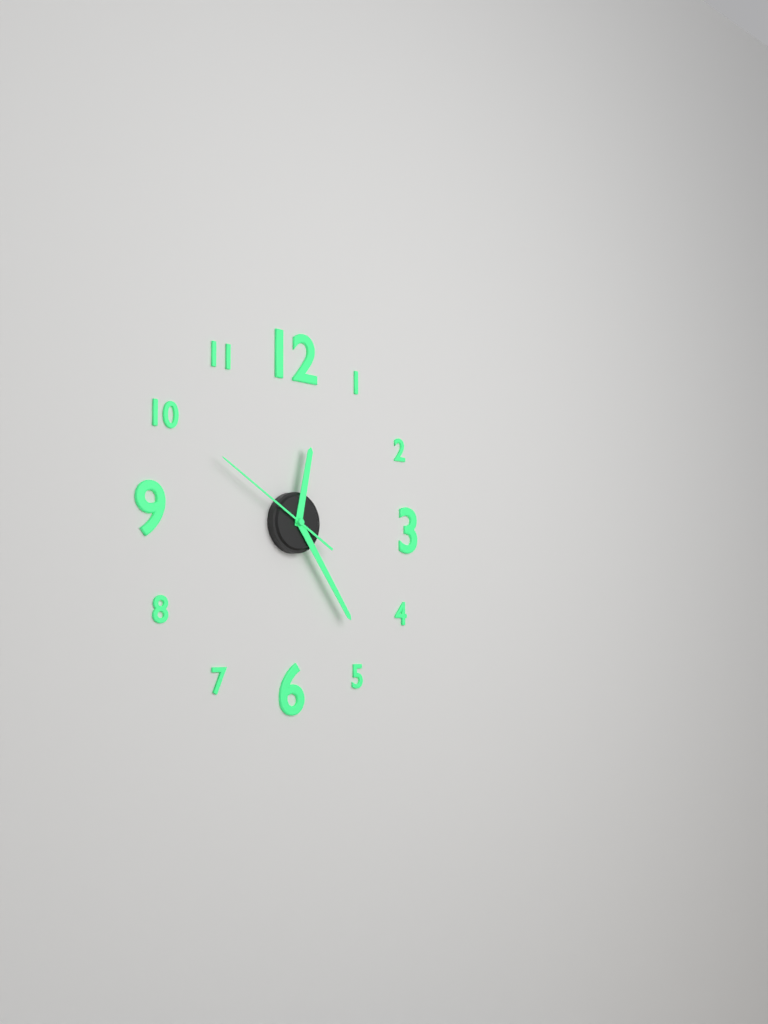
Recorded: {"hour": 12, "minute": 24, "second": 50}
